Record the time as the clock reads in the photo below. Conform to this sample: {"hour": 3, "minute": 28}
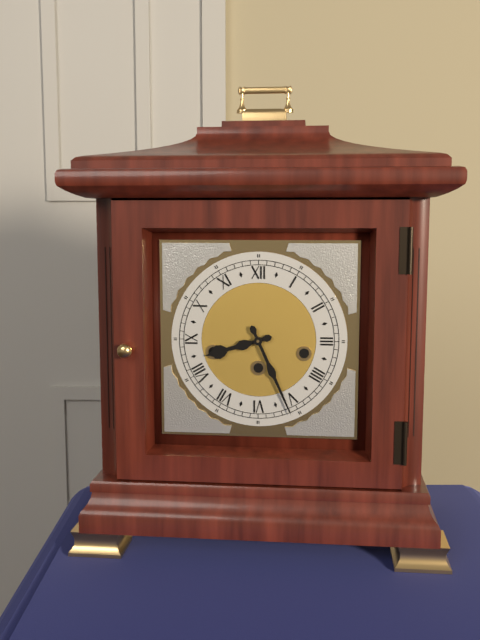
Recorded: {"hour": 8, "minute": 26}
